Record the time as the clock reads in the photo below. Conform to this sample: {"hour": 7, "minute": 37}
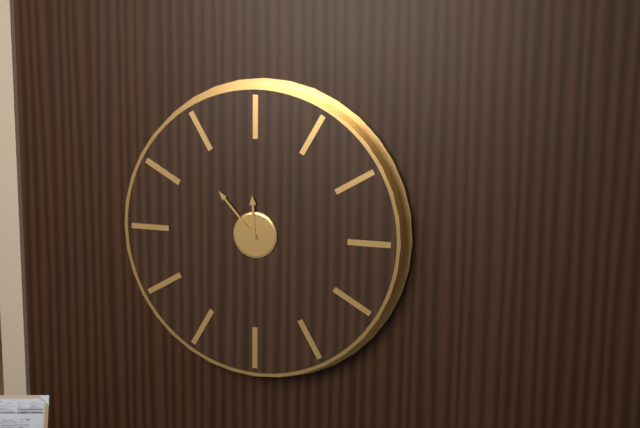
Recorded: {"hour": 11, "minute": 53}
